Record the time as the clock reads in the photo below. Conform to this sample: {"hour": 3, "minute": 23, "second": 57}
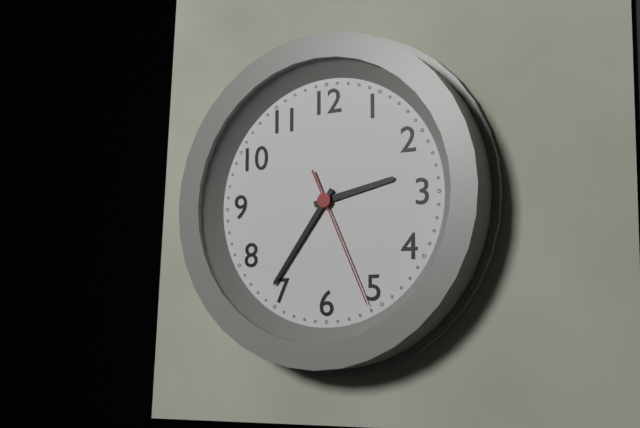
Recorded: {"hour": 2, "minute": 36, "second": 26}
